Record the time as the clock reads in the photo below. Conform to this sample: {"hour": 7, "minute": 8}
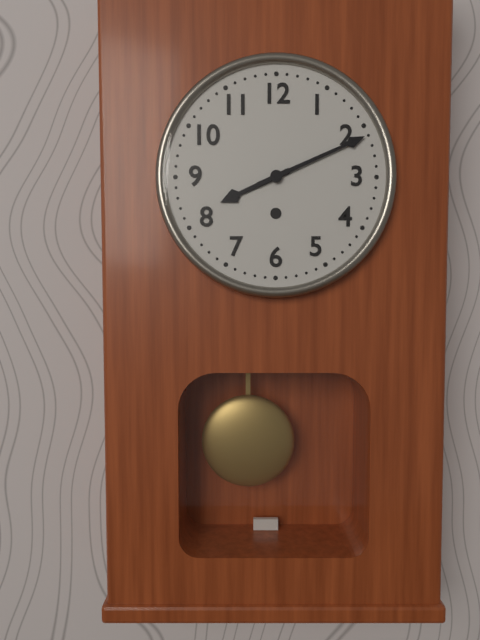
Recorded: {"hour": 8, "minute": 11}
